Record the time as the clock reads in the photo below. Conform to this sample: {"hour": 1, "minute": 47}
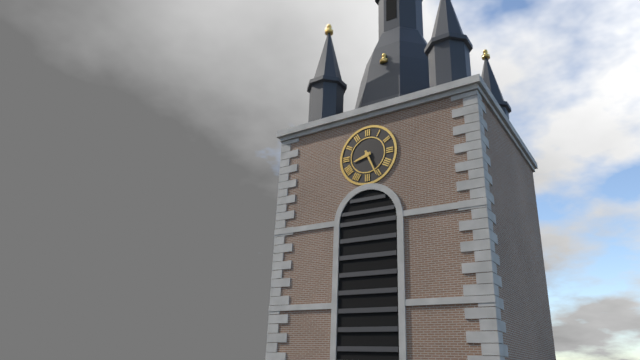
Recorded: {"hour": 8, "minute": 26}
